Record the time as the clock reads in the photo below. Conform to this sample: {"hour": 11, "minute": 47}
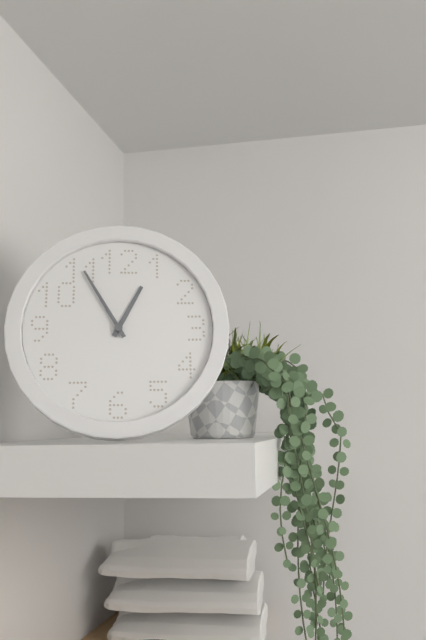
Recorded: {"hour": 12, "minute": 55}
